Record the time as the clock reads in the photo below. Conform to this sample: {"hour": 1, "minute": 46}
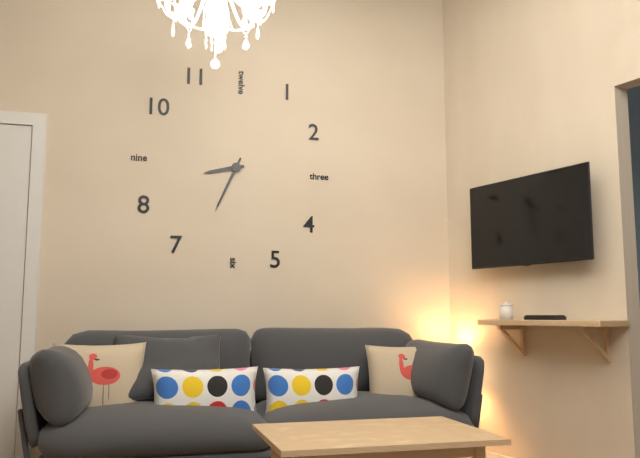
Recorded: {"hour": 8, "minute": 34}
